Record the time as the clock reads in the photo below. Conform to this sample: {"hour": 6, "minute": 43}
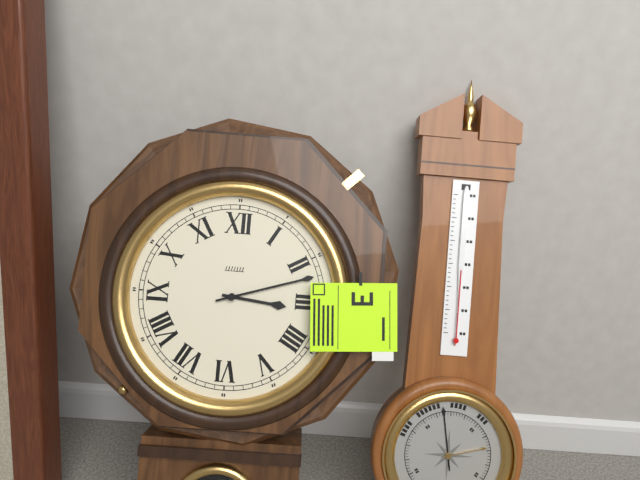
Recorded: {"hour": 3, "minute": 12}
